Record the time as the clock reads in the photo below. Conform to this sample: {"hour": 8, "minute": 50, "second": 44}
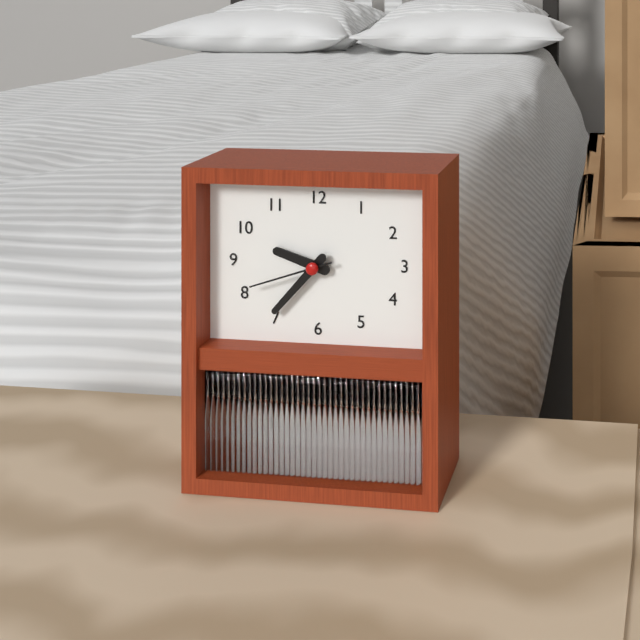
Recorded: {"hour": 9, "minute": 37, "second": 42}
